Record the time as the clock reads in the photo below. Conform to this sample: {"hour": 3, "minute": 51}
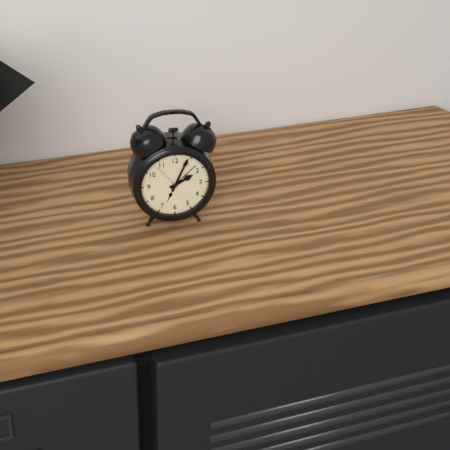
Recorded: {"hour": 2, "minute": 4}
